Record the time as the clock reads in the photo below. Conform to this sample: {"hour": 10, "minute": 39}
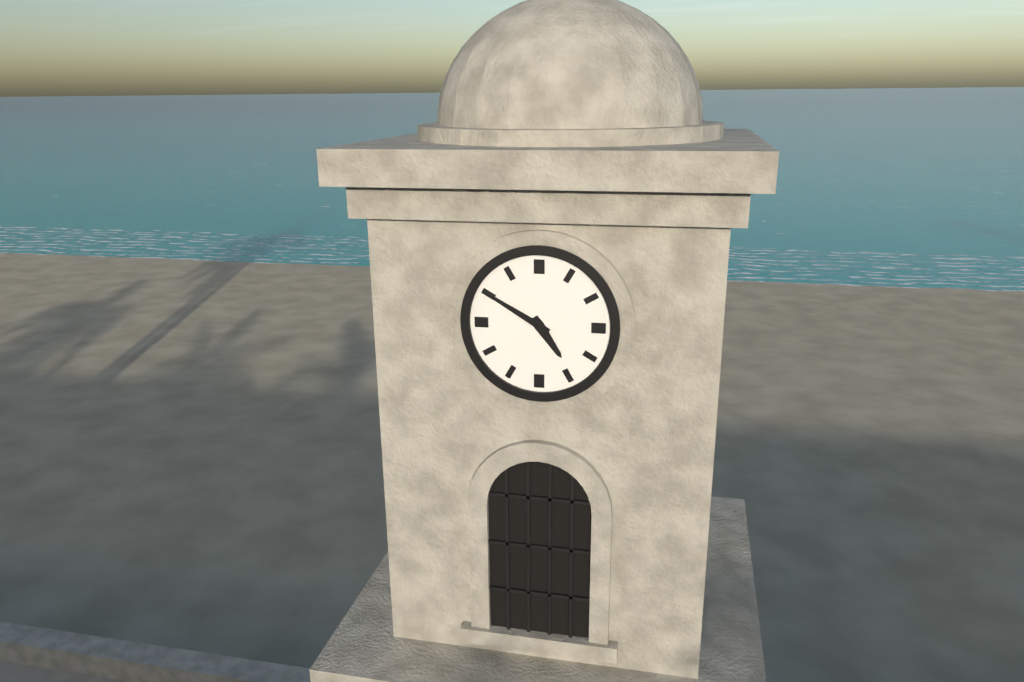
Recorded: {"hour": 4, "minute": 50}
